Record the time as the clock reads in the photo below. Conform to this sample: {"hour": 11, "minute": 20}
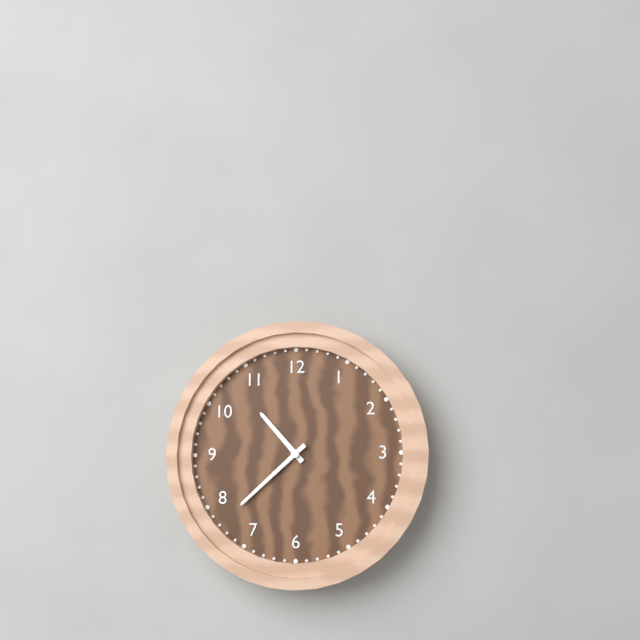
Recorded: {"hour": 10, "minute": 38}
